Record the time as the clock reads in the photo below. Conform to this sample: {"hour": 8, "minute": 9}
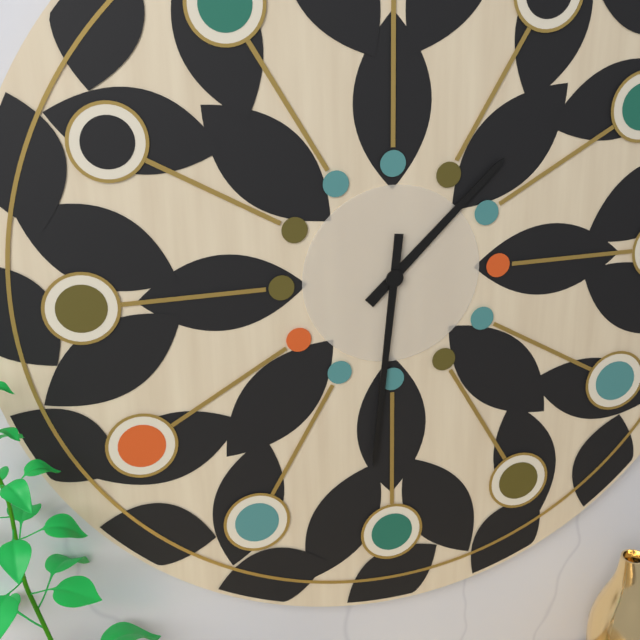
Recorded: {"hour": 1, "minute": 31}
